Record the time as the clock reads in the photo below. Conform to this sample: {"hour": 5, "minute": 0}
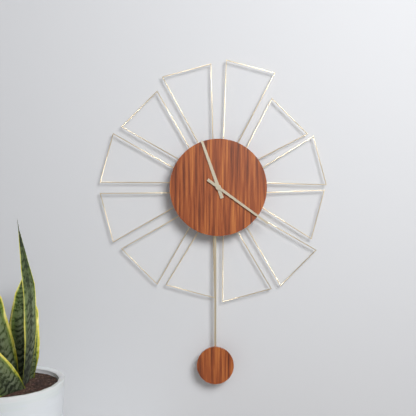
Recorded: {"hour": 11, "minute": 21}
